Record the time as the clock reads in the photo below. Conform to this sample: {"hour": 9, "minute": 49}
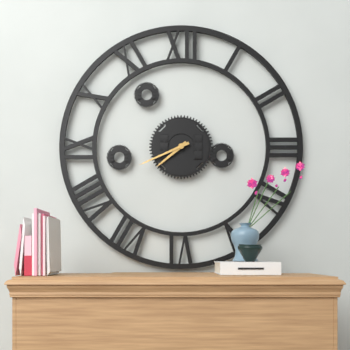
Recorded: {"hour": 7, "minute": 41}
